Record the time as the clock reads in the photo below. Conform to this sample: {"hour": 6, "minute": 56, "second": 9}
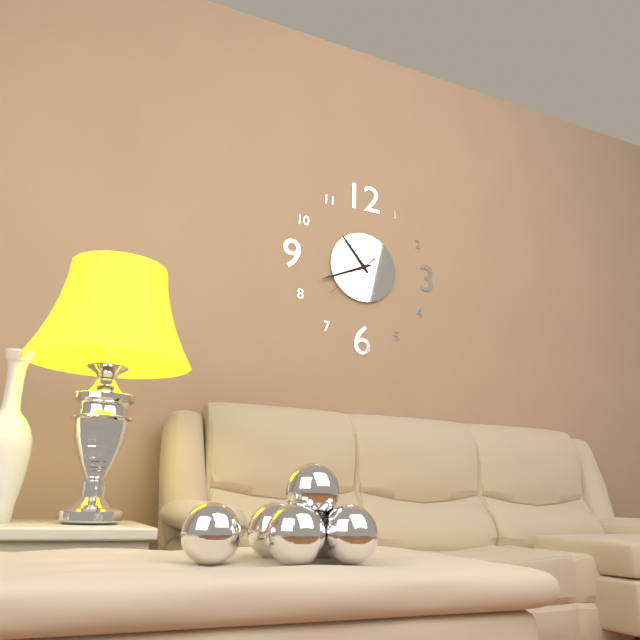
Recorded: {"hour": 10, "minute": 41, "second": 38}
